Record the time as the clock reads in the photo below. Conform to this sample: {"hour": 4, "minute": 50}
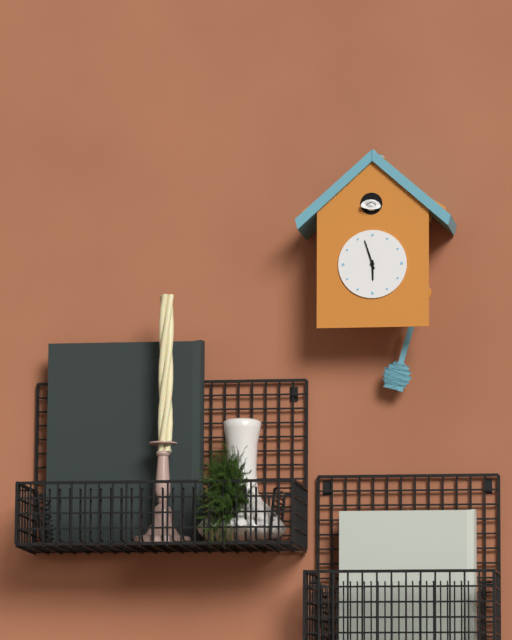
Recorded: {"hour": 5, "minute": 57}
